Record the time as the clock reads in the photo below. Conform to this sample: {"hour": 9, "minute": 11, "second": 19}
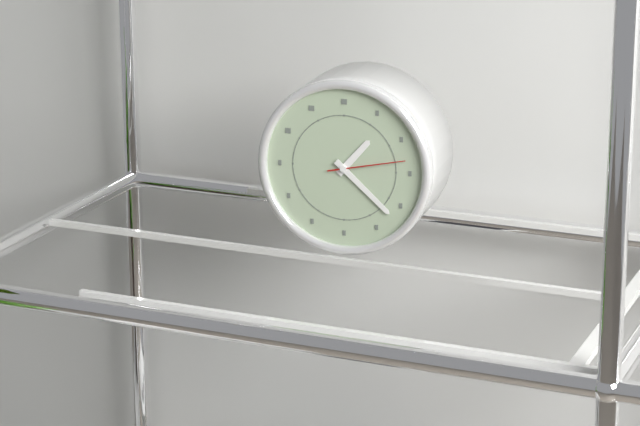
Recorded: {"hour": 1, "minute": 22, "second": 13}
